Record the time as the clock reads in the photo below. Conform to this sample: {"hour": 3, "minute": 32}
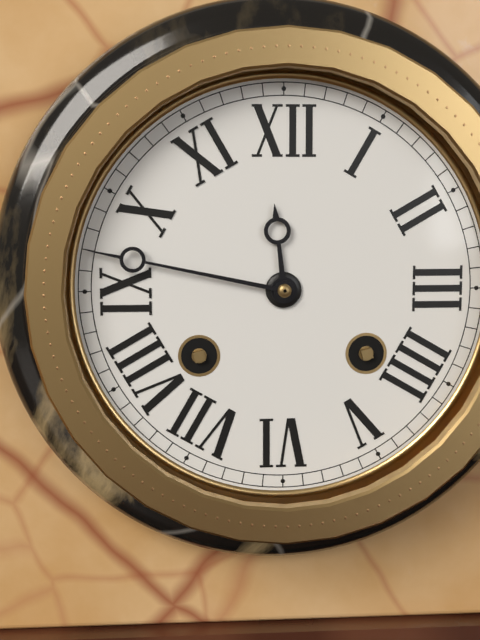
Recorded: {"hour": 11, "minute": 47}
